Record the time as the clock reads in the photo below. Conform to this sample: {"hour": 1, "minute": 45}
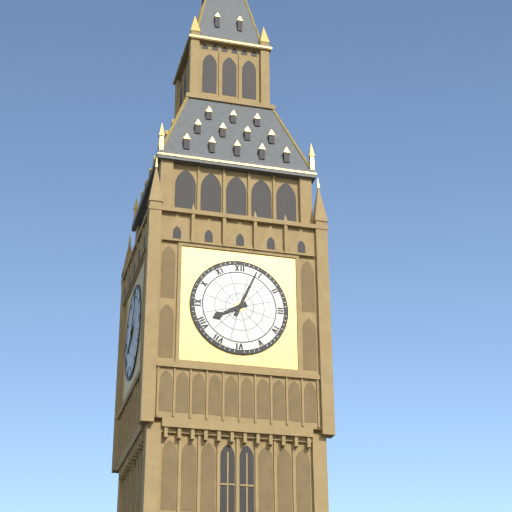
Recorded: {"hour": 8, "minute": 4}
